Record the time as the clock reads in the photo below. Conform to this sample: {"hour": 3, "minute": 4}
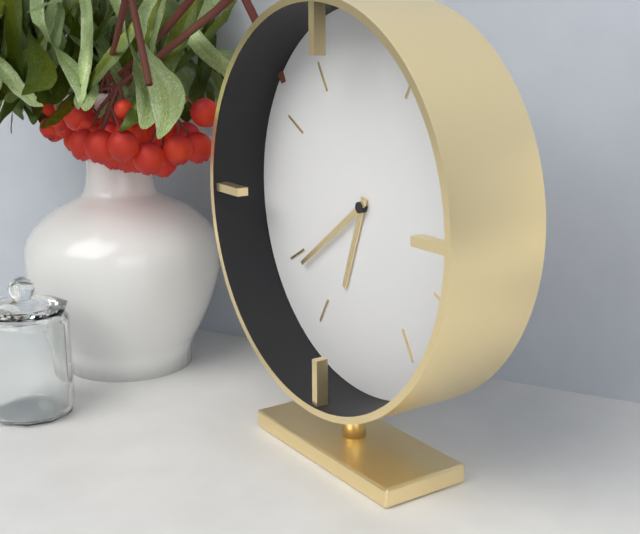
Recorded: {"hour": 6, "minute": 39}
